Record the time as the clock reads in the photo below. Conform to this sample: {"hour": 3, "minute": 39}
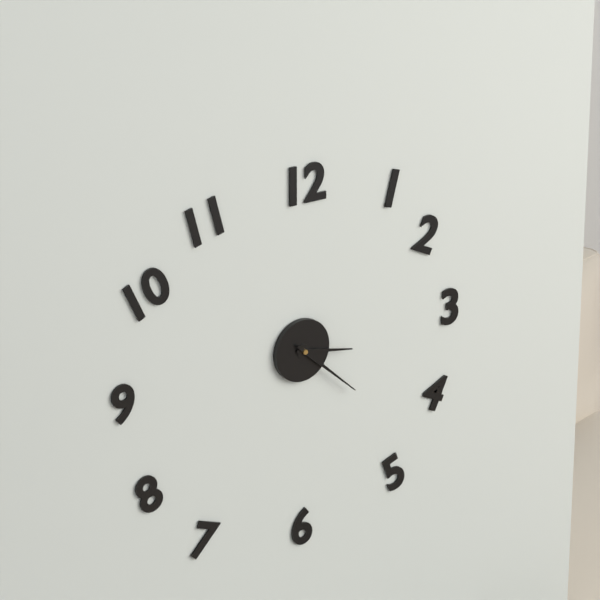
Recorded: {"hour": 3, "minute": 22}
